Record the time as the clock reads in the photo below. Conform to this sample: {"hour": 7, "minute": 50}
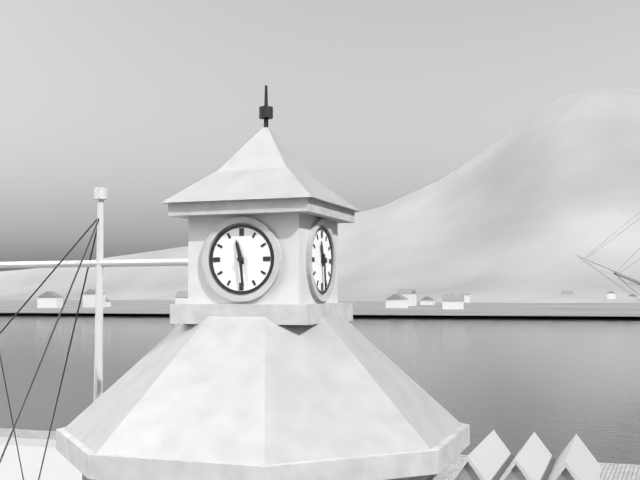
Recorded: {"hour": 11, "minute": 29}
